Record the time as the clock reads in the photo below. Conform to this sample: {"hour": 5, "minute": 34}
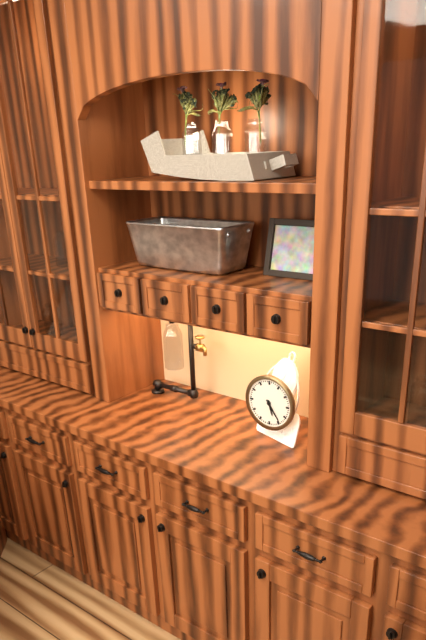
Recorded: {"hour": 5, "minute": 24}
